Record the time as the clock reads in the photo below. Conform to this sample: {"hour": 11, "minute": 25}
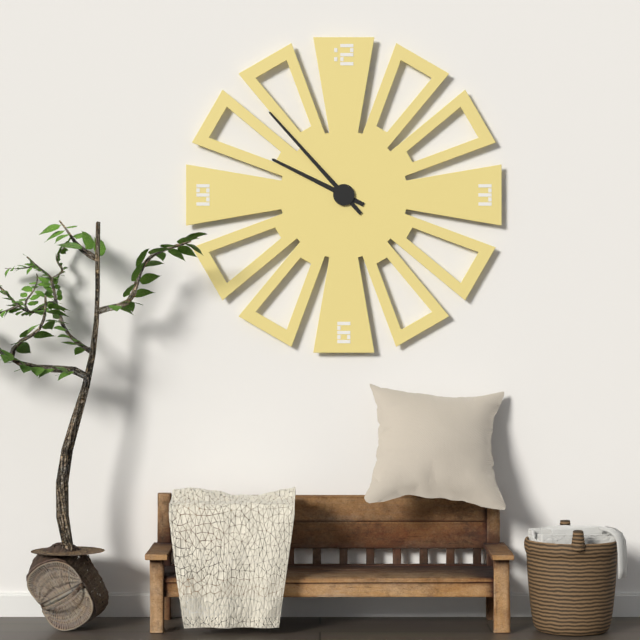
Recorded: {"hour": 9, "minute": 53}
